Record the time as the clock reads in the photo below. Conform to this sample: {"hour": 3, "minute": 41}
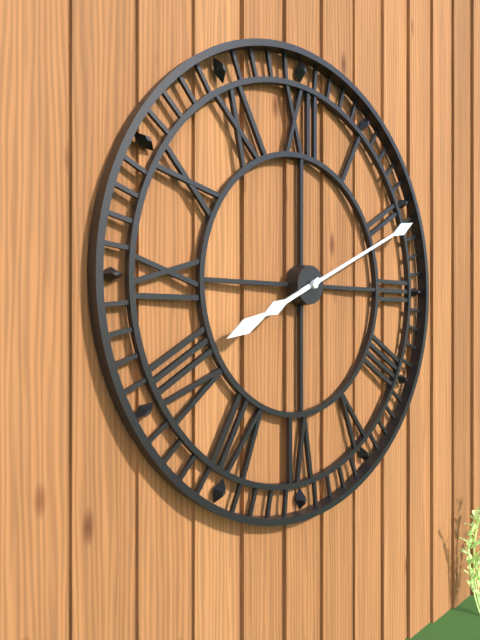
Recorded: {"hour": 8, "minute": 11}
